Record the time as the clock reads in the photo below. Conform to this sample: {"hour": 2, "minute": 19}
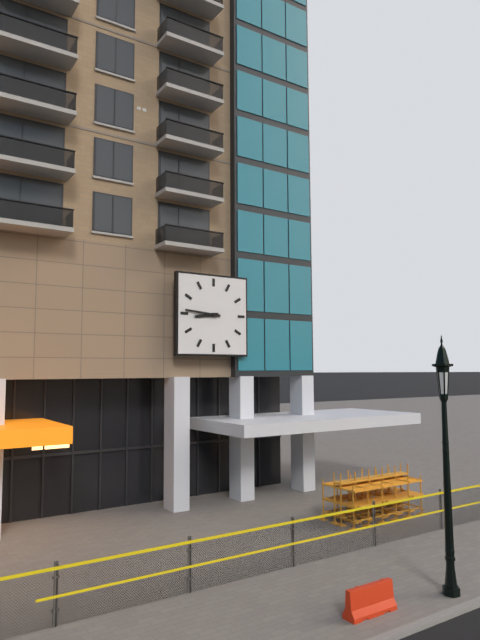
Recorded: {"hour": 8, "minute": 46}
